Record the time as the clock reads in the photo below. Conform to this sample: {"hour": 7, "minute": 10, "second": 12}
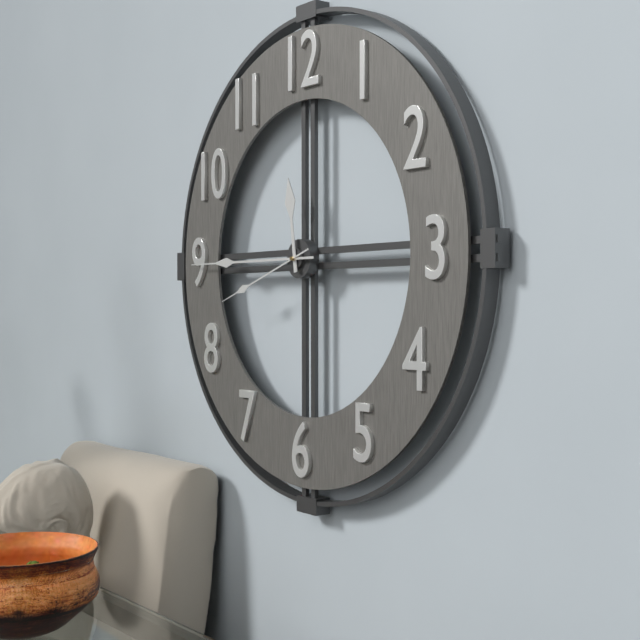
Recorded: {"hour": 11, "minute": 45, "second": 42}
